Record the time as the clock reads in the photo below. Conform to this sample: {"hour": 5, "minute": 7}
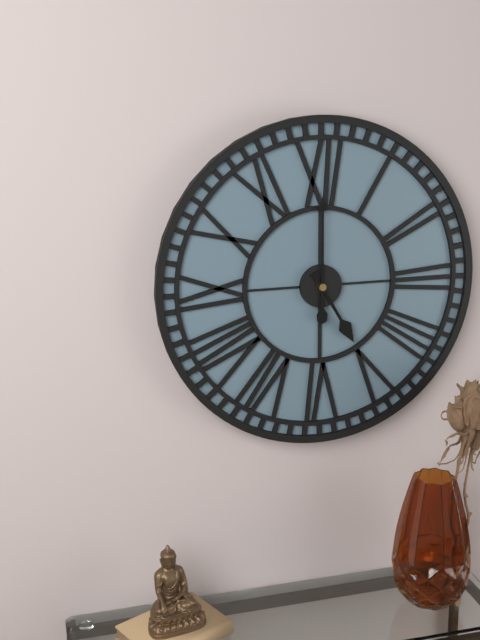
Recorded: {"hour": 5, "minute": 0}
